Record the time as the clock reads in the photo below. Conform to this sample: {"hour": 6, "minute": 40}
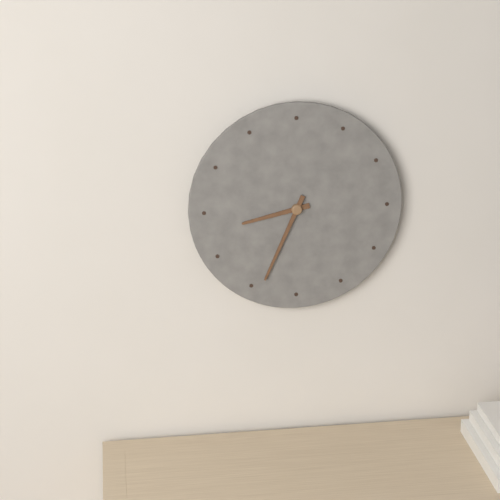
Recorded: {"hour": 8, "minute": 34}
